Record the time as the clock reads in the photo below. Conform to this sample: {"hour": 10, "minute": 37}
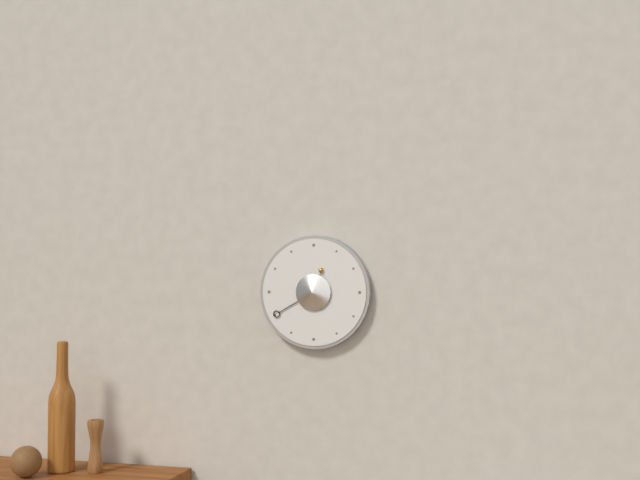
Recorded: {"hour": 12, "minute": 40}
